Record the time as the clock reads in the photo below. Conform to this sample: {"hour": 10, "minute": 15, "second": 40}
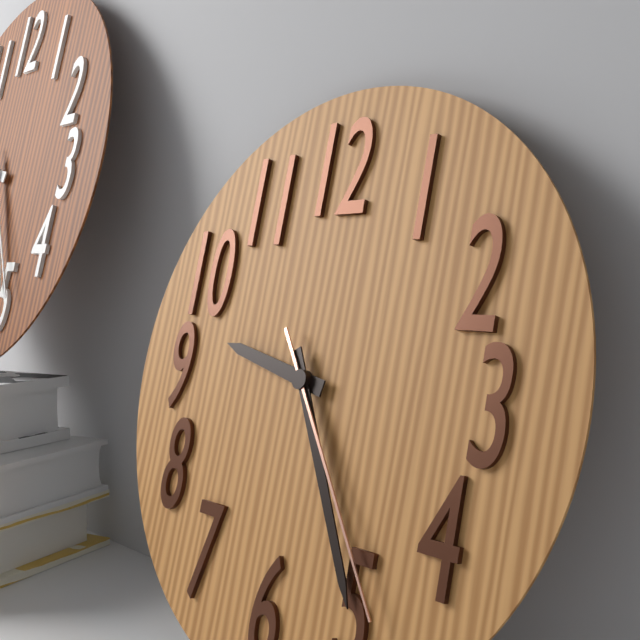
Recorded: {"hour": 9, "minute": 25, "second": 24}
